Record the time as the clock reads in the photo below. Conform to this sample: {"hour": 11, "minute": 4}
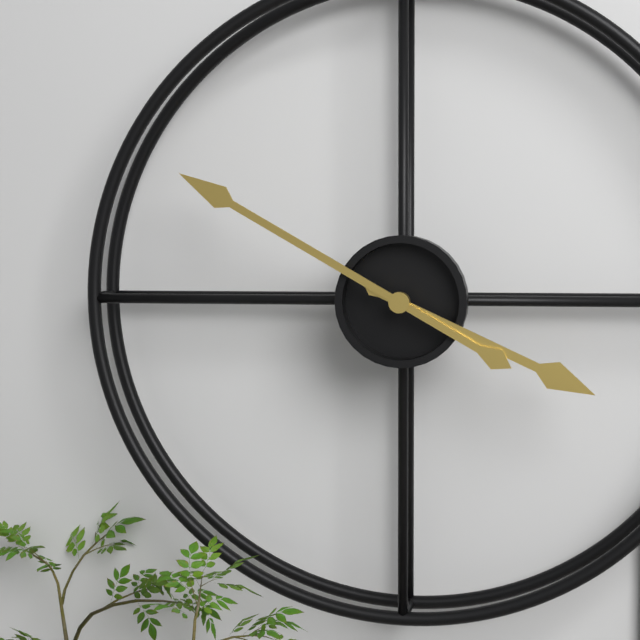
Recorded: {"hour": 3, "minute": 50}
